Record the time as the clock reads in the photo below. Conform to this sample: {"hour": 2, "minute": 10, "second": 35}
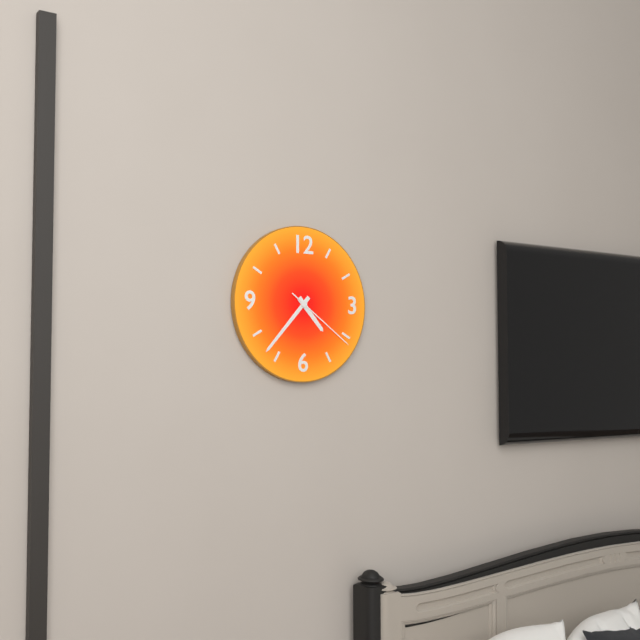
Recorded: {"hour": 4, "minute": 37, "second": 21}
